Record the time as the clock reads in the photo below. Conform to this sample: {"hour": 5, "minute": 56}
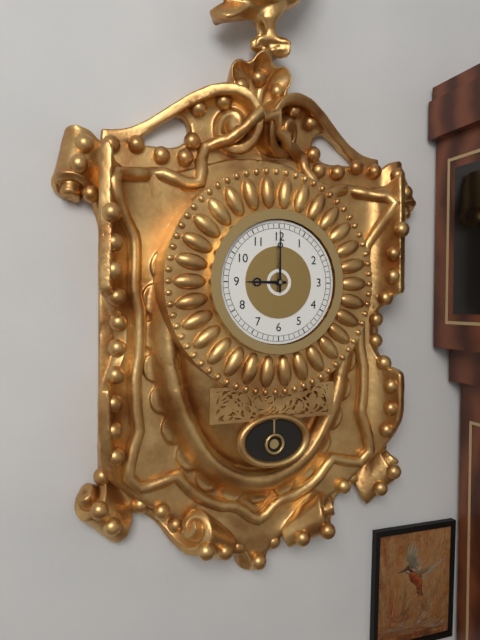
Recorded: {"hour": 9, "minute": 0}
